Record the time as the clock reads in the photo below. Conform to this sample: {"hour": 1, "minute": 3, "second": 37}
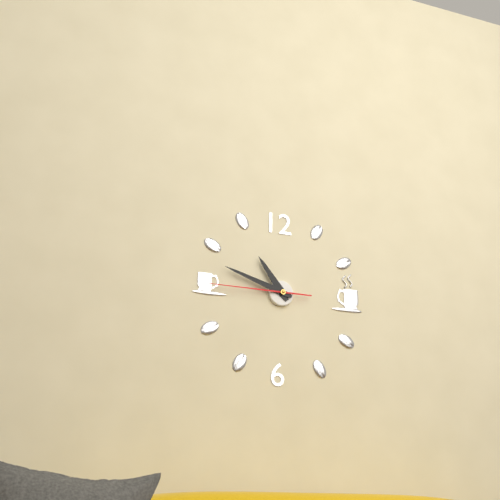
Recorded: {"hour": 10, "minute": 48, "second": 45}
